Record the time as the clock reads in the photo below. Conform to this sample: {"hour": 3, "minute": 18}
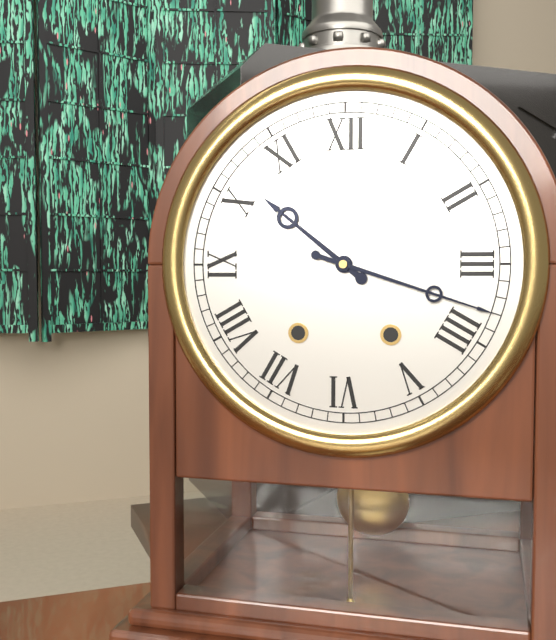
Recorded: {"hour": 10, "minute": 18}
